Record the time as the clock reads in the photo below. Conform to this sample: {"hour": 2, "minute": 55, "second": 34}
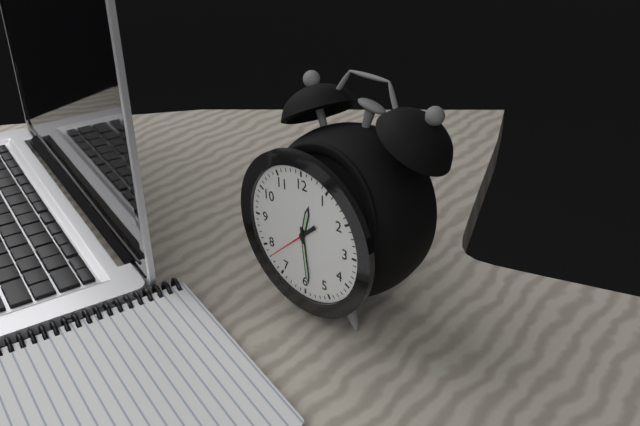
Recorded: {"hour": 12, "minute": 29, "second": 38}
